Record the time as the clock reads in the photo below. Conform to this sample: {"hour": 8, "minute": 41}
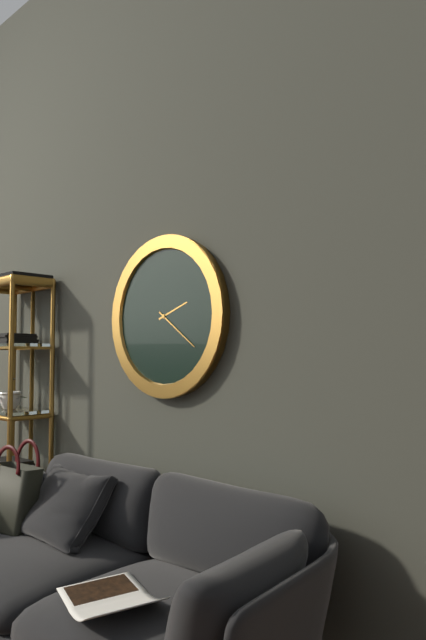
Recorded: {"hour": 2, "minute": 21}
